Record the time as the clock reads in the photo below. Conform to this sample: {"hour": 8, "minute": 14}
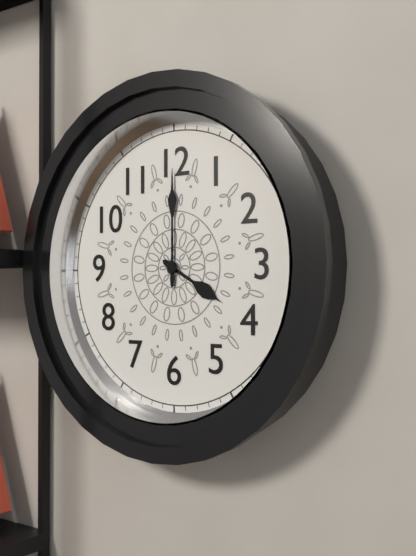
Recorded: {"hour": 4, "minute": 0}
